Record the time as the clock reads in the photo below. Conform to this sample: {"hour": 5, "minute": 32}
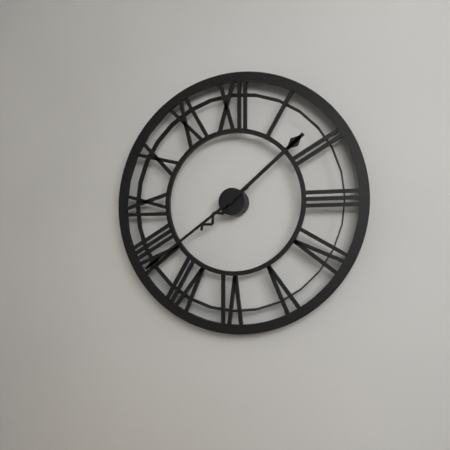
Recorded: {"hour": 1, "minute": 39}
